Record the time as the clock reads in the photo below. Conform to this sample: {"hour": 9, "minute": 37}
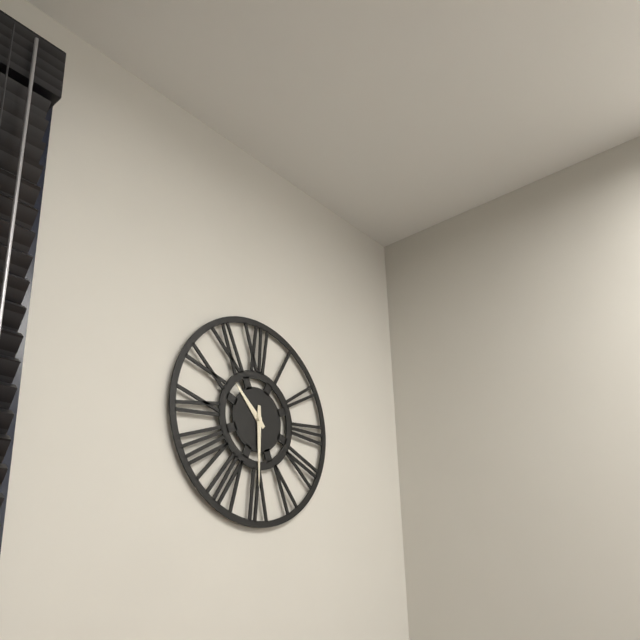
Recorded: {"hour": 10, "minute": 30}
